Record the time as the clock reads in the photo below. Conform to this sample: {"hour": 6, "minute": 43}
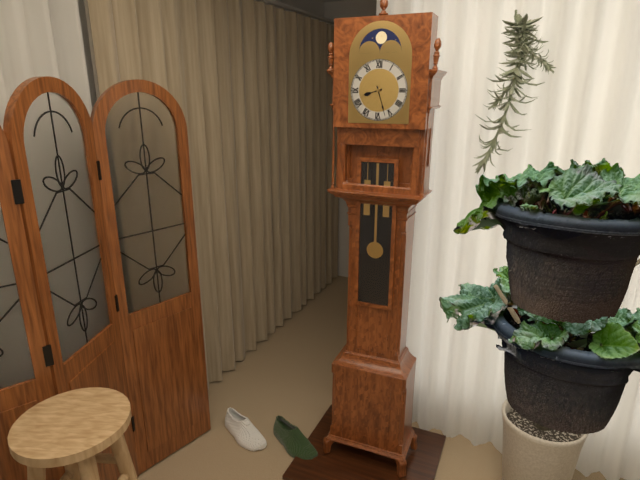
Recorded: {"hour": 8, "minute": 27}
